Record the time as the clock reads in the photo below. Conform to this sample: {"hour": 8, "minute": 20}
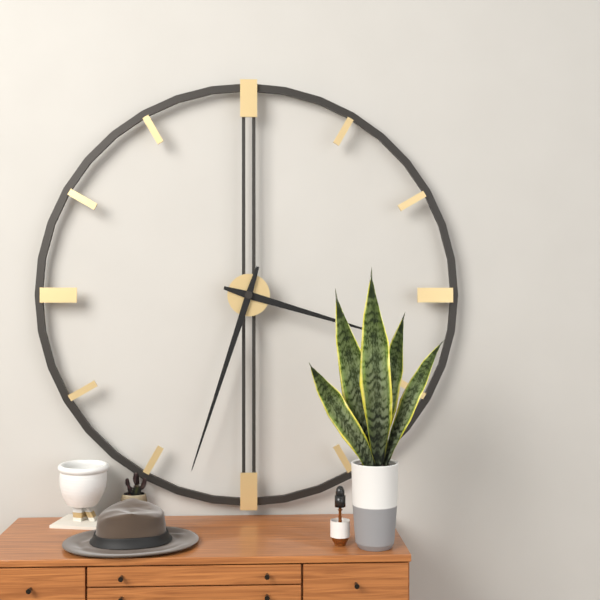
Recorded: {"hour": 3, "minute": 33}
